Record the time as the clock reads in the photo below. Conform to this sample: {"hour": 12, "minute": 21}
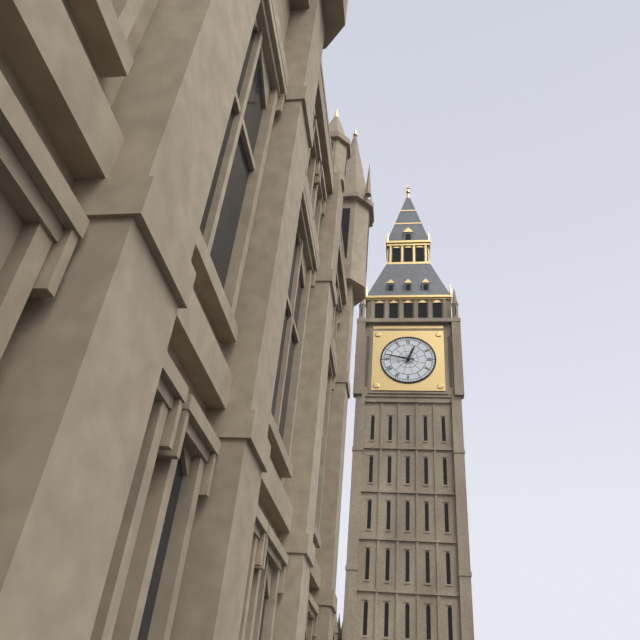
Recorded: {"hour": 12, "minute": 47}
